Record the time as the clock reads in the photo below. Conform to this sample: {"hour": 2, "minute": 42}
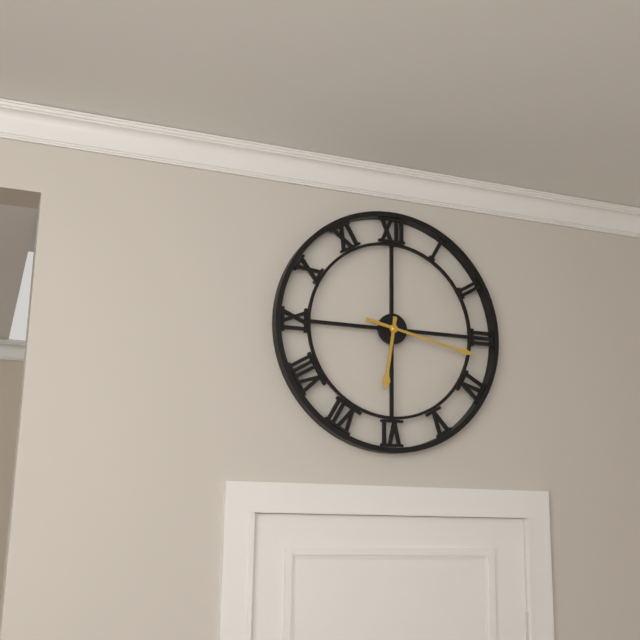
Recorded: {"hour": 6, "minute": 17}
